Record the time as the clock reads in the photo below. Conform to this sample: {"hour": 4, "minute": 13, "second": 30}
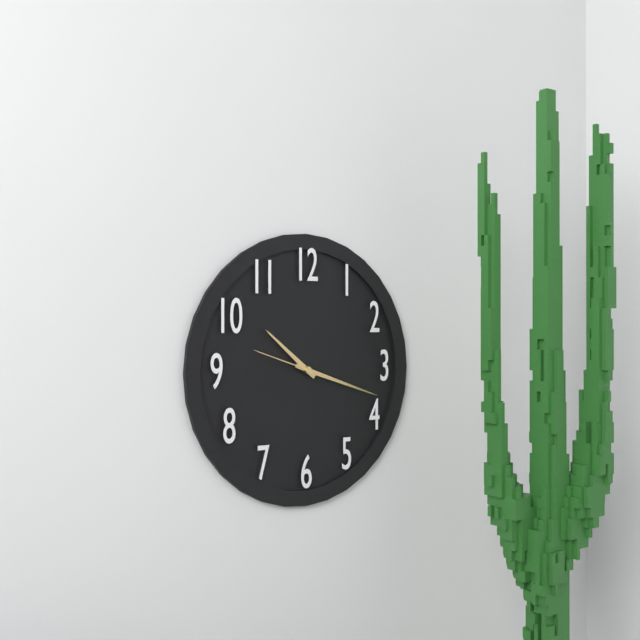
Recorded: {"hour": 10, "minute": 18, "second": 48}
